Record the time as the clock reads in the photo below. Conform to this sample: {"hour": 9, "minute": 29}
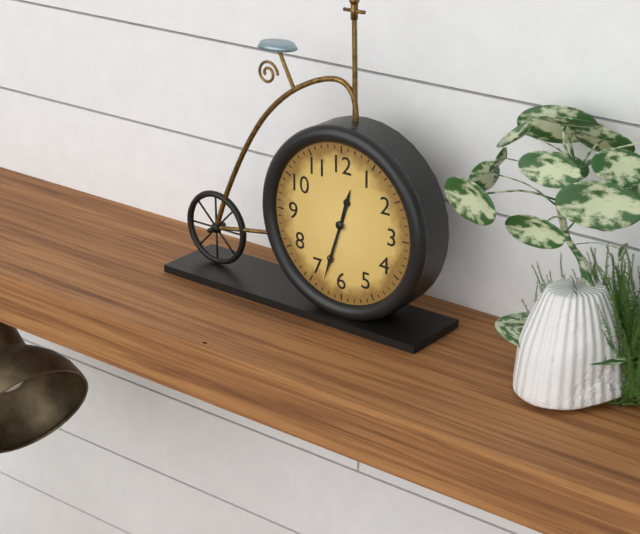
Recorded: {"hour": 12, "minute": 33}
